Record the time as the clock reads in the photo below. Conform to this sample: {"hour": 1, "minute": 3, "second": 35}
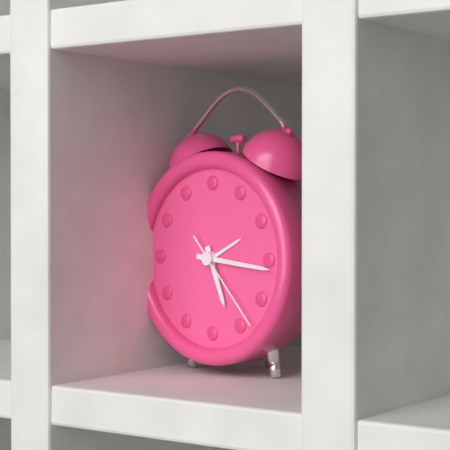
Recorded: {"hour": 5, "minute": 16, "second": 23}
